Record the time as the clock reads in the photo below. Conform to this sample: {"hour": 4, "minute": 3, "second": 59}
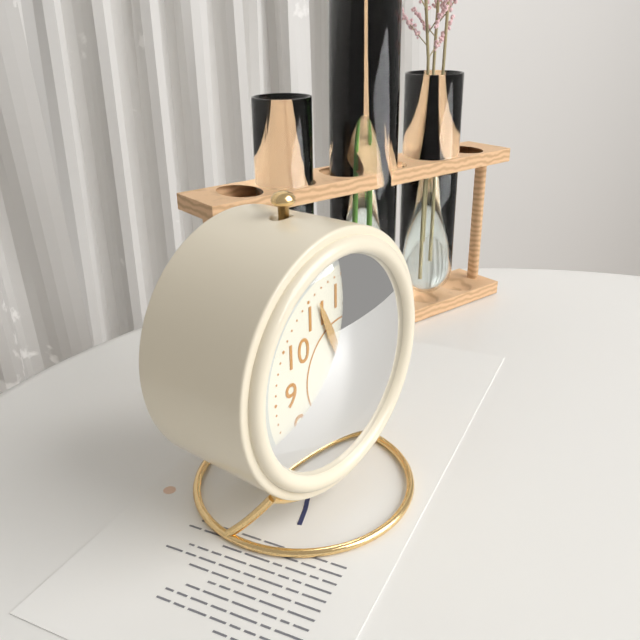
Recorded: {"hour": 6, "minute": 56, "second": 25}
